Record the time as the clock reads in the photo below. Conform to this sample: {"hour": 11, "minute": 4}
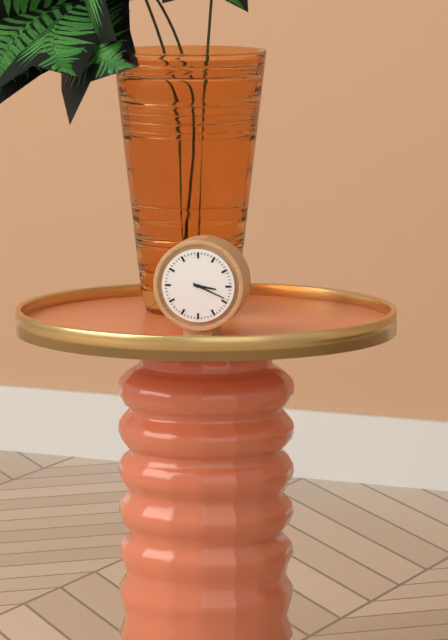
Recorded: {"hour": 3, "minute": 19}
